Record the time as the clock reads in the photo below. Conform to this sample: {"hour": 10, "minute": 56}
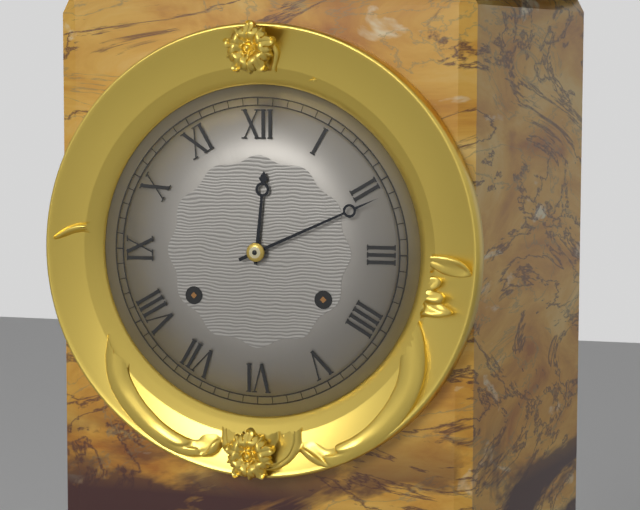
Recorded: {"hour": 12, "minute": 11}
